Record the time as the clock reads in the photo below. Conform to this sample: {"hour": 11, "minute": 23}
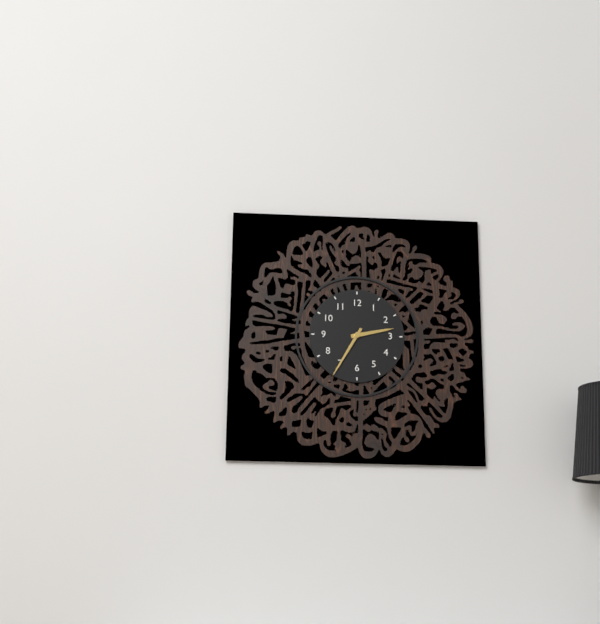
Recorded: {"hour": 2, "minute": 35}
